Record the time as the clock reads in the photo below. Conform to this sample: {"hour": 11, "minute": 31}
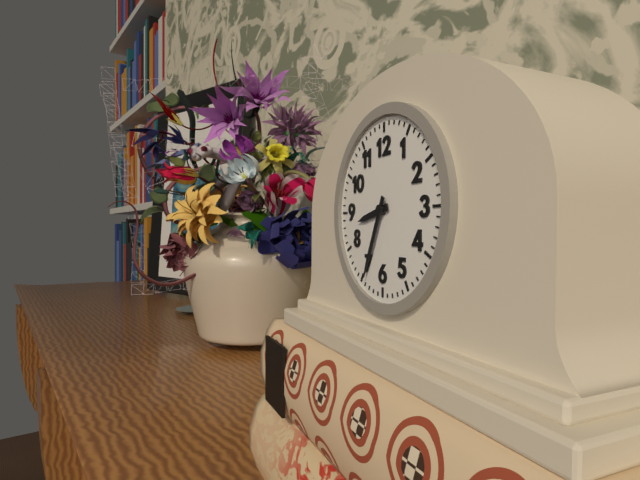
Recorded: {"hour": 8, "minute": 34}
